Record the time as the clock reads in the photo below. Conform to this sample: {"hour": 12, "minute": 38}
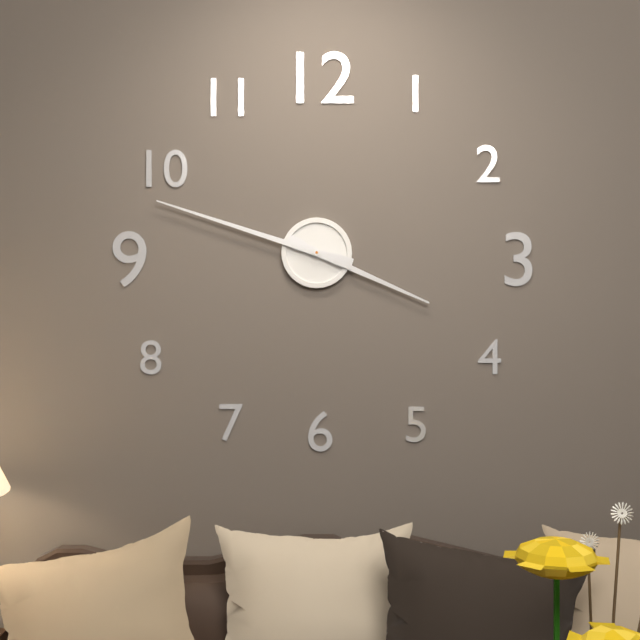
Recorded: {"hour": 3, "minute": 48}
